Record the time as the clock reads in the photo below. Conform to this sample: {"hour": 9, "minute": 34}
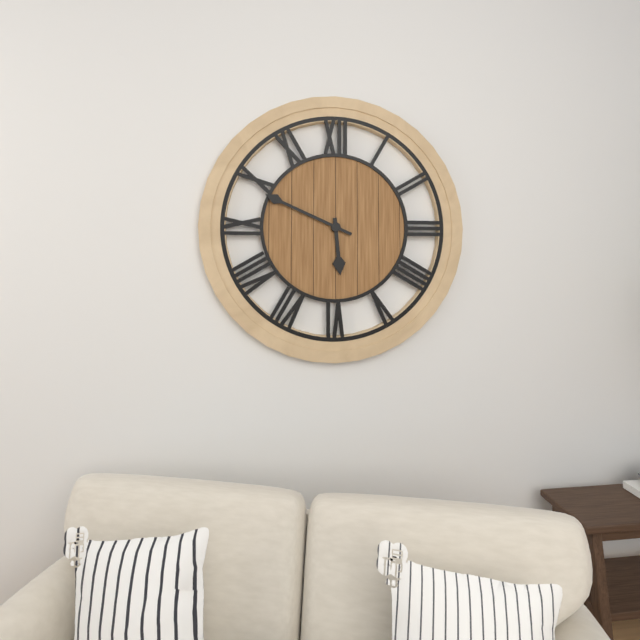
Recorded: {"hour": 5, "minute": 49}
